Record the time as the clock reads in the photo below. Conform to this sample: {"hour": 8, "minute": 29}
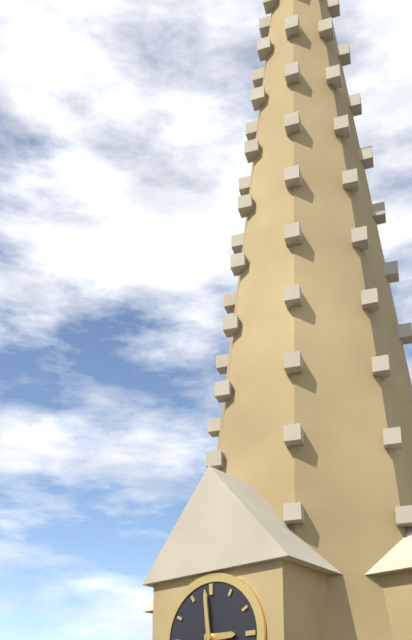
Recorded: {"hour": 2, "minute": 59}
